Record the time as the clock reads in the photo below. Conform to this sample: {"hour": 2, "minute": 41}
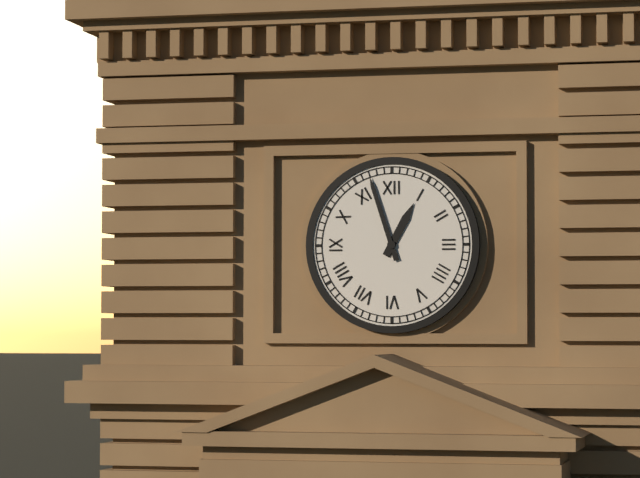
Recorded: {"hour": 12, "minute": 57}
